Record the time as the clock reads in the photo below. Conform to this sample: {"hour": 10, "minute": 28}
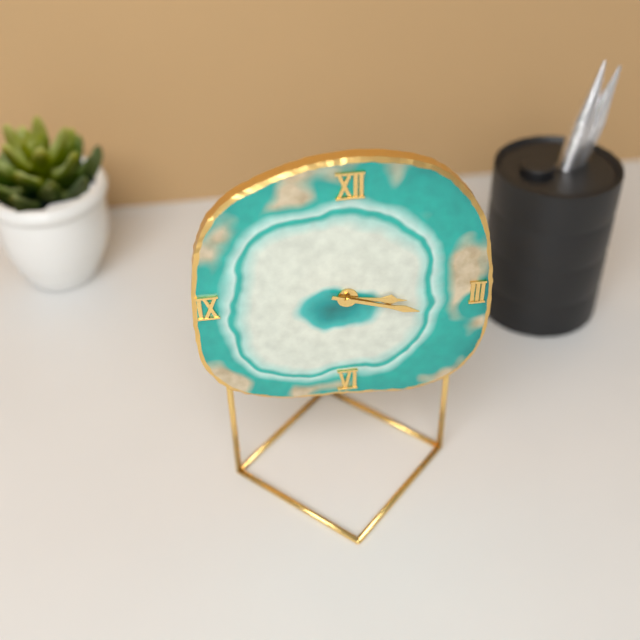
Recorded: {"hour": 3, "minute": 18}
